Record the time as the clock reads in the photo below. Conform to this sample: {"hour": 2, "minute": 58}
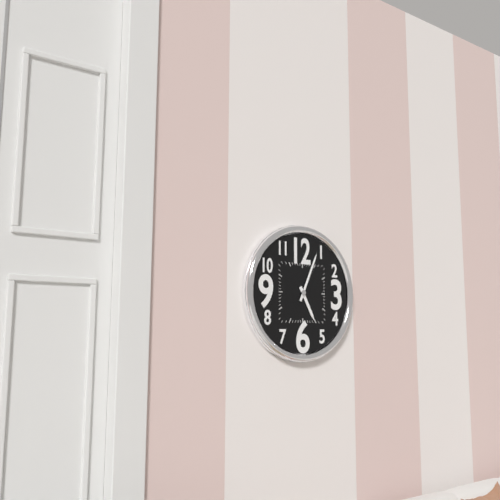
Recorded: {"hour": 5, "minute": 4}
